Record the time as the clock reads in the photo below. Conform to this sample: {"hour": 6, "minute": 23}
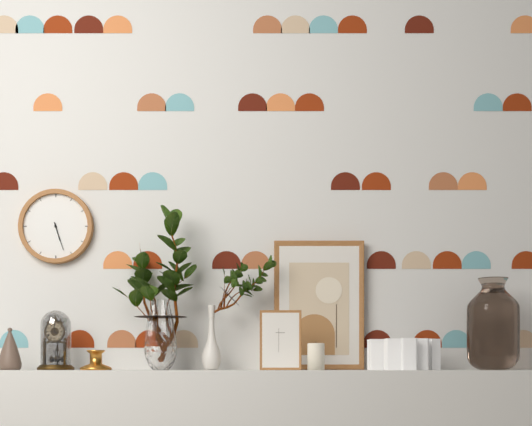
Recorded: {"hour": 5, "minute": 27}
